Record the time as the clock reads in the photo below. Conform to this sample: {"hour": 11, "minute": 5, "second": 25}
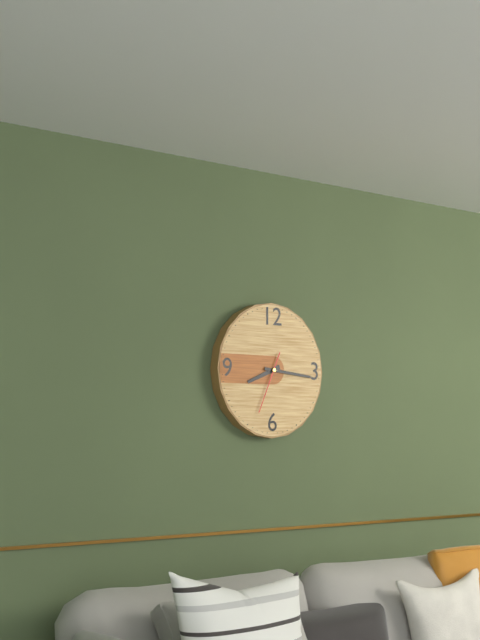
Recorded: {"hour": 8, "minute": 16, "second": 34}
